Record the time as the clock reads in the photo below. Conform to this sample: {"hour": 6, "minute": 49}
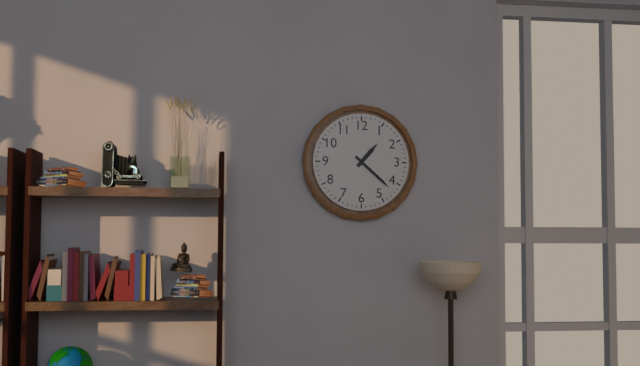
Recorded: {"hour": 1, "minute": 22}
